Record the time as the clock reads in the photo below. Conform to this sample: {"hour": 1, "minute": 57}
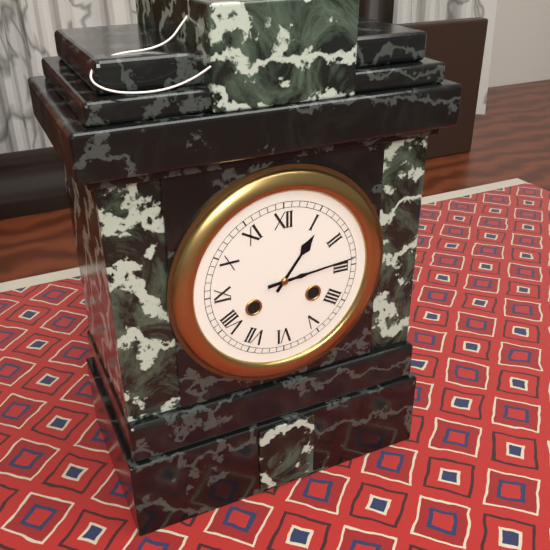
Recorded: {"hour": 1, "minute": 14}
